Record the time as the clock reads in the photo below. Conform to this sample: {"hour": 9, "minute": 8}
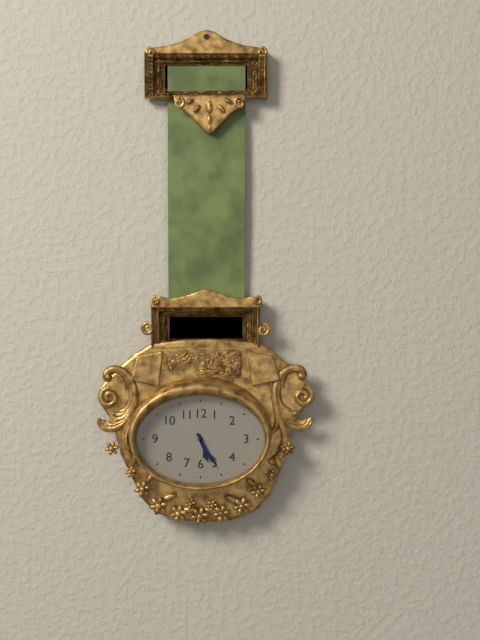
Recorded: {"hour": 5, "minute": 25}
